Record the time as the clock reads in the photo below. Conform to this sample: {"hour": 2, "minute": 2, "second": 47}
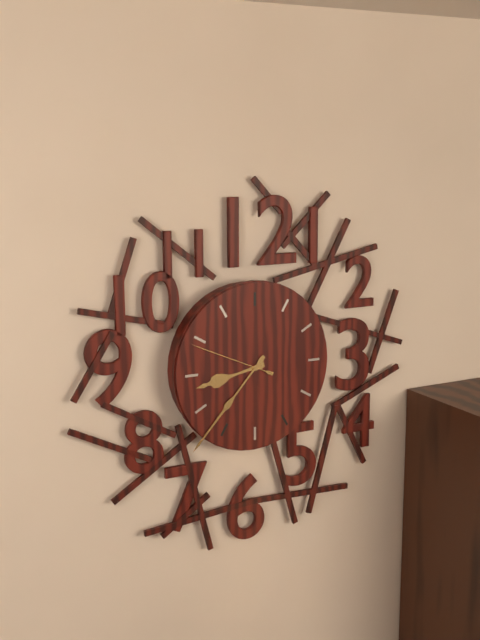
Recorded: {"hour": 8, "minute": 37, "second": 49}
